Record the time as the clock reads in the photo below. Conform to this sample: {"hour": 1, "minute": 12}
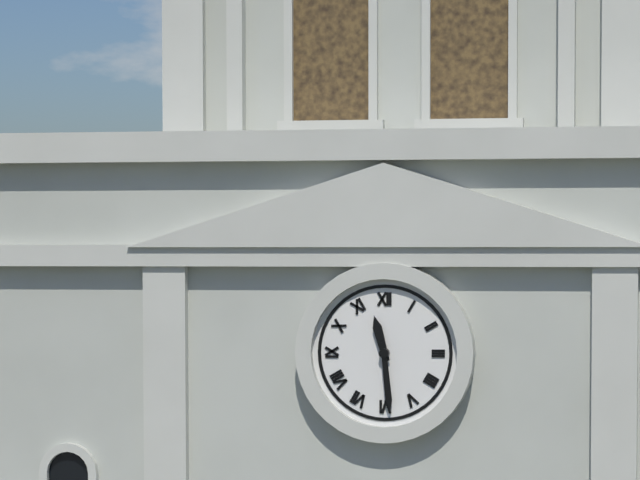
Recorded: {"hour": 11, "minute": 29}
